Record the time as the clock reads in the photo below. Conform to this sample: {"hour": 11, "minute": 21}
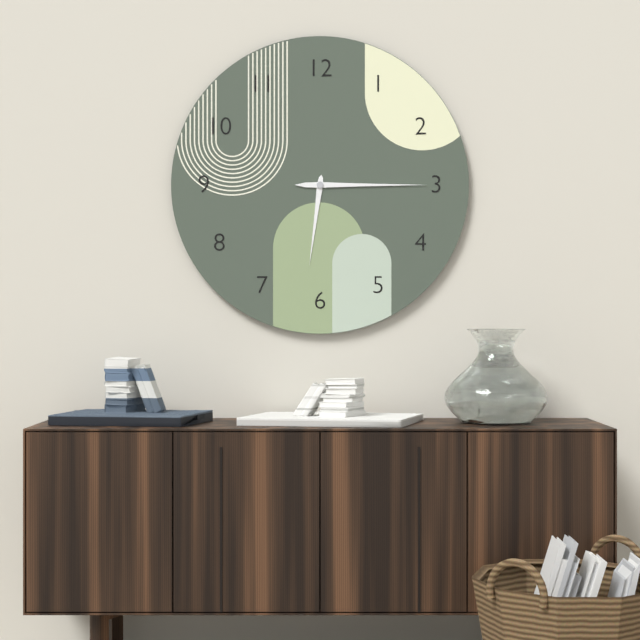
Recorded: {"hour": 6, "minute": 15}
